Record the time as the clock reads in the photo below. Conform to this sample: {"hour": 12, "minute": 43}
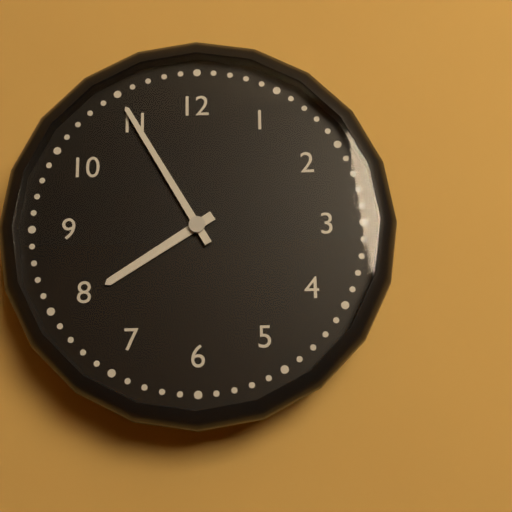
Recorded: {"hour": 7, "minute": 55}
